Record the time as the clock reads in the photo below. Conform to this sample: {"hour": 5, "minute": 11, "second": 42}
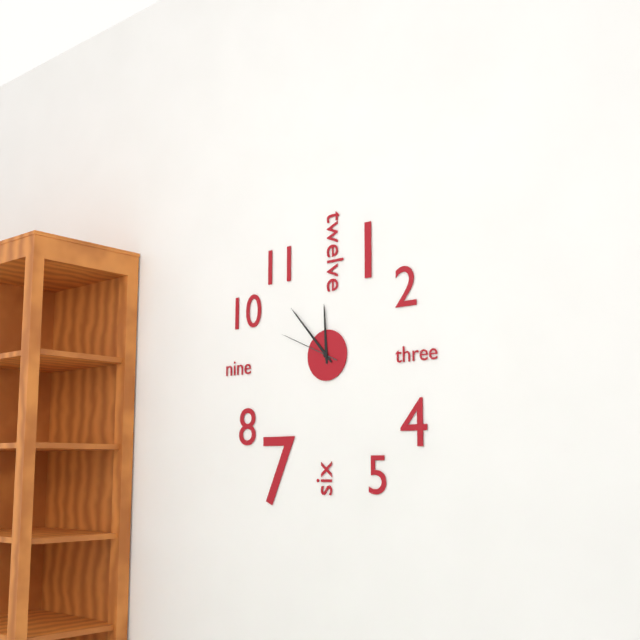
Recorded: {"hour": 11, "minute": 53, "second": 49}
